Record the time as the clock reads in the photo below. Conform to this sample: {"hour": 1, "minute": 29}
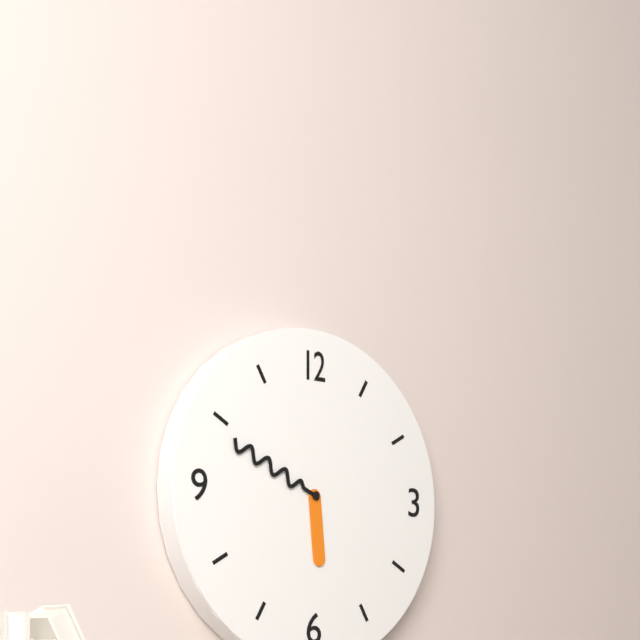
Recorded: {"hour": 5, "minute": 49}
